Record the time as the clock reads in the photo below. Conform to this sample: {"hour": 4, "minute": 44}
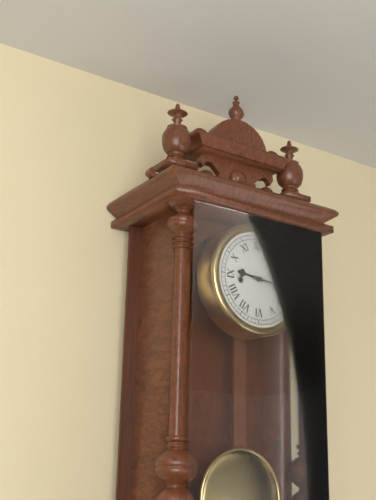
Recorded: {"hour": 9, "minute": 16}
